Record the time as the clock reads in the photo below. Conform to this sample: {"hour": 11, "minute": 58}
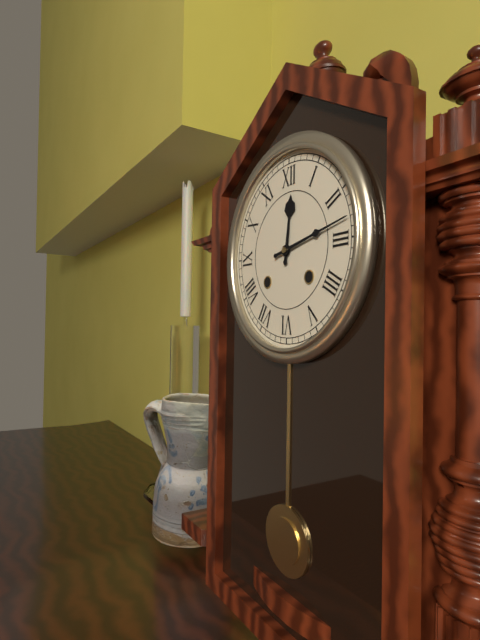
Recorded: {"hour": 12, "minute": 13}
